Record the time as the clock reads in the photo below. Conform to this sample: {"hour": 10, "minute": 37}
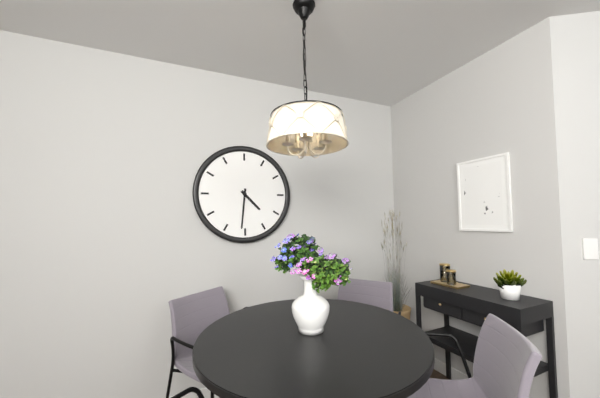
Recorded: {"hour": 4, "minute": 31}
